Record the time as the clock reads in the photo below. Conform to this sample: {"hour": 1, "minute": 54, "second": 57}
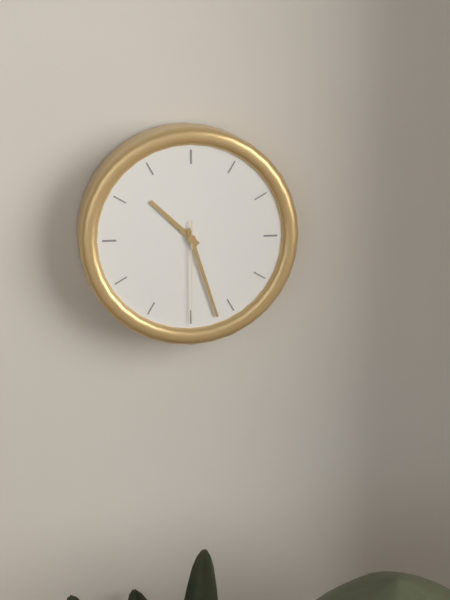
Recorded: {"hour": 10, "minute": 27, "second": 30}
